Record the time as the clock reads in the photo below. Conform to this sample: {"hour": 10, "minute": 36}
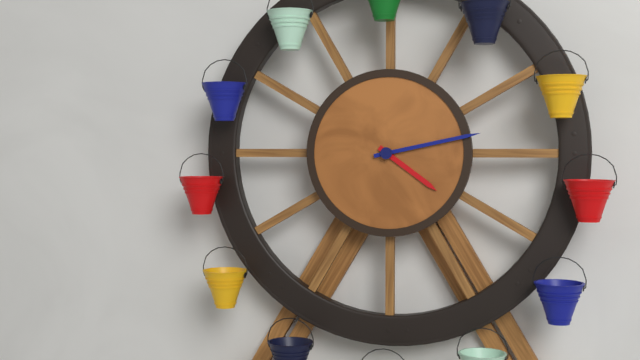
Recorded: {"hour": 4, "minute": 13}
